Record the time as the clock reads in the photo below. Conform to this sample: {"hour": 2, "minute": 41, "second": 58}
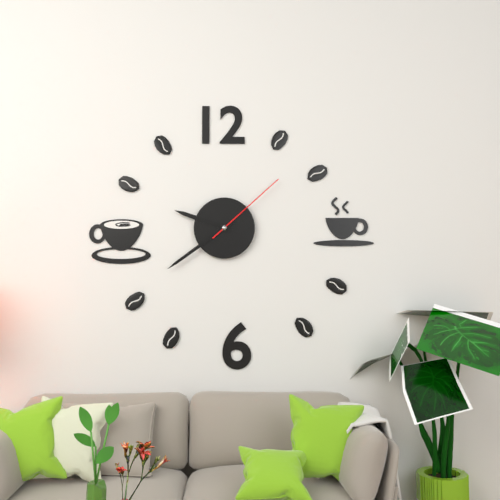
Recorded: {"hour": 9, "minute": 39, "second": 8}
